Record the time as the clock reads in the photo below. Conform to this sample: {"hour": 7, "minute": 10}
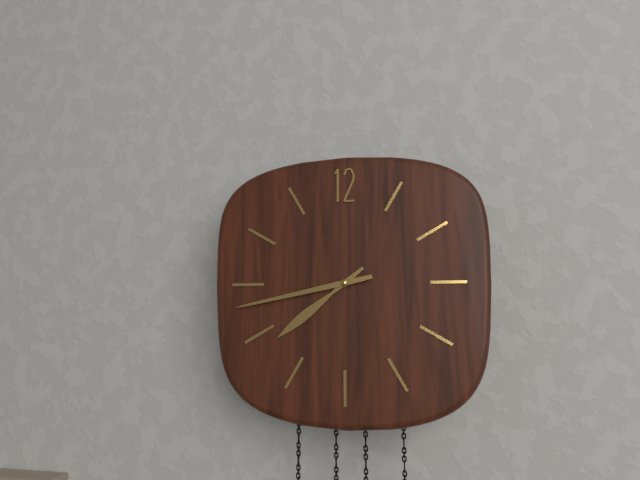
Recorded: {"hour": 7, "minute": 43}
